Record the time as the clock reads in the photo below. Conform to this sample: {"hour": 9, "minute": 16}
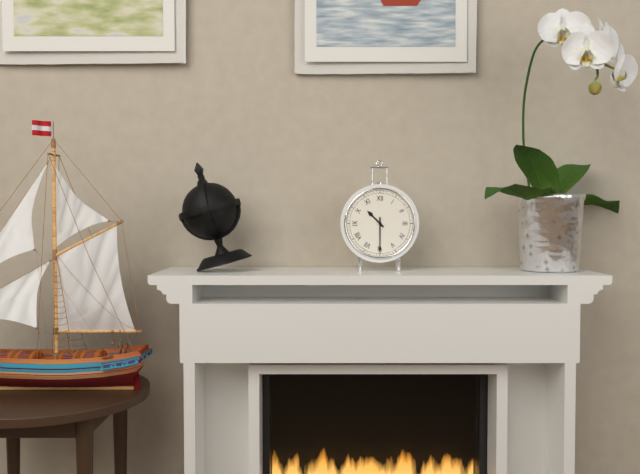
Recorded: {"hour": 10, "minute": 30}
